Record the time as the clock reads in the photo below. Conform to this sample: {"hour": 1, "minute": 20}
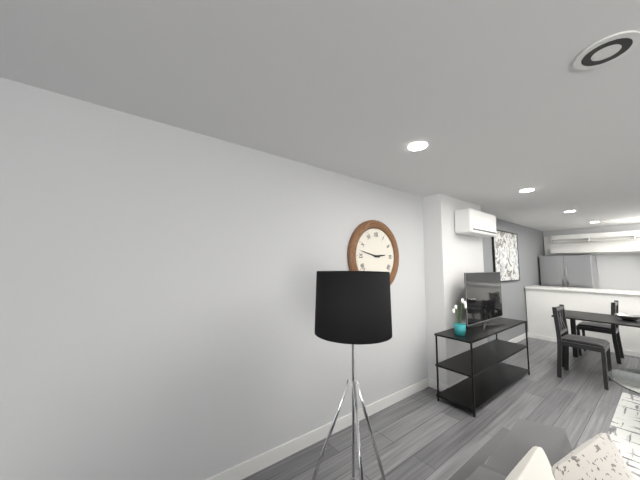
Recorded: {"hour": 2, "minute": 47}
